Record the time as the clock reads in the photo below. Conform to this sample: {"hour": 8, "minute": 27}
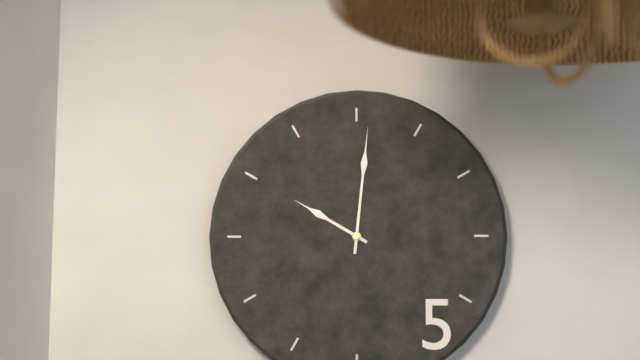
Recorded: {"hour": 10, "minute": 1}
